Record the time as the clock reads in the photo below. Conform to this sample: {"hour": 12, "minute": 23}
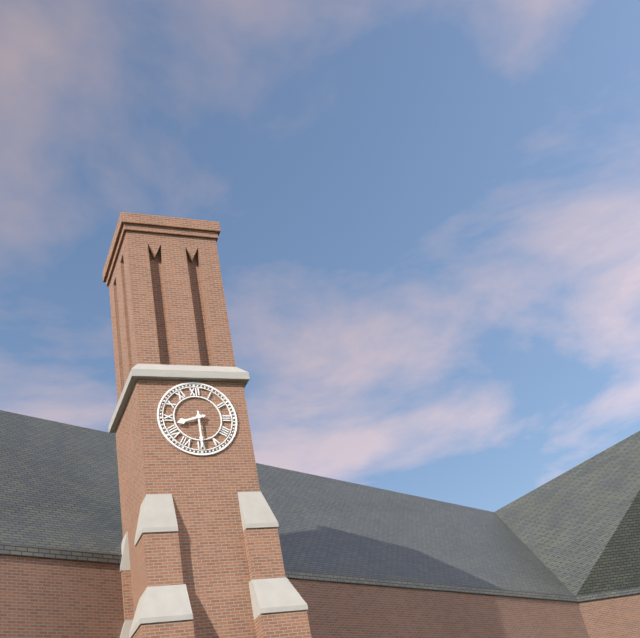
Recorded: {"hour": 8, "minute": 30}
